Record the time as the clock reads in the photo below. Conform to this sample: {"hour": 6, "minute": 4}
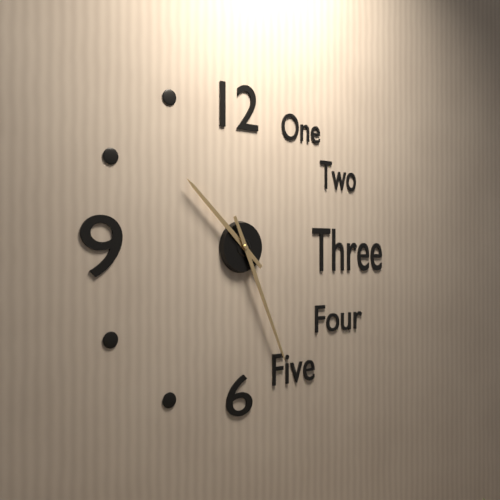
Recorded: {"hour": 10, "minute": 26}
